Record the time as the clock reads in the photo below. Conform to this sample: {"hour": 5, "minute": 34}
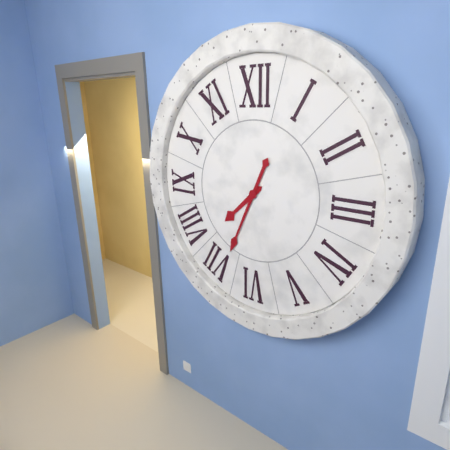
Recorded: {"hour": 7, "minute": 34}
